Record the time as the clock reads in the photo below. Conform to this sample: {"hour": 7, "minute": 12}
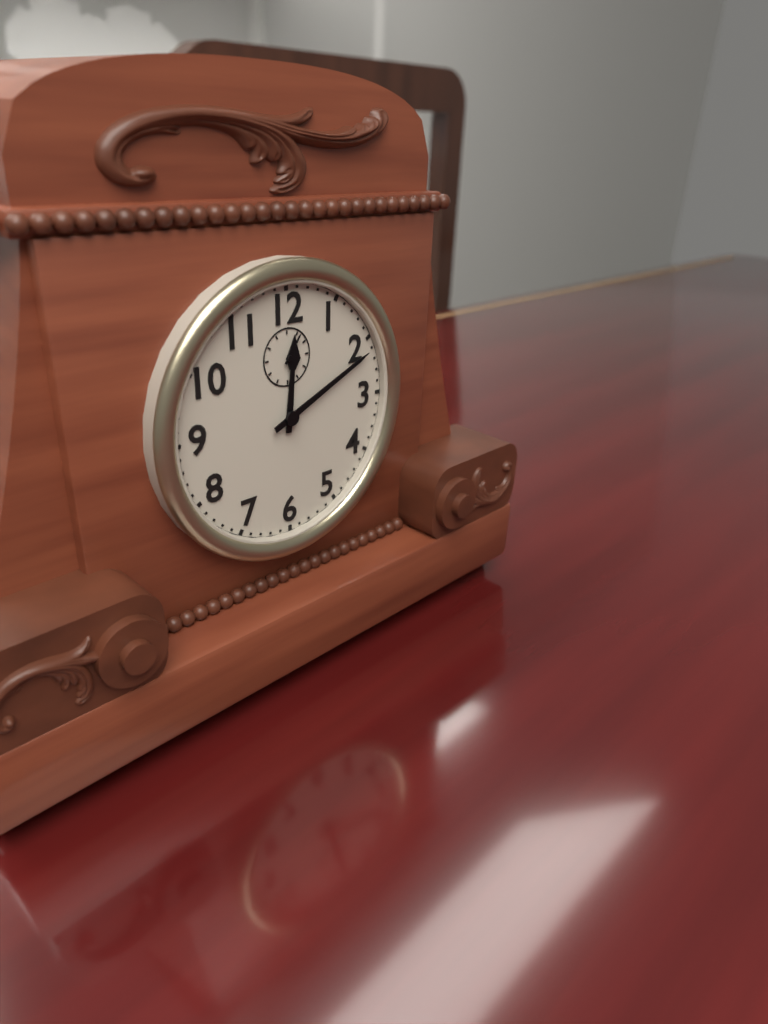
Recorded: {"hour": 12, "minute": 11}
